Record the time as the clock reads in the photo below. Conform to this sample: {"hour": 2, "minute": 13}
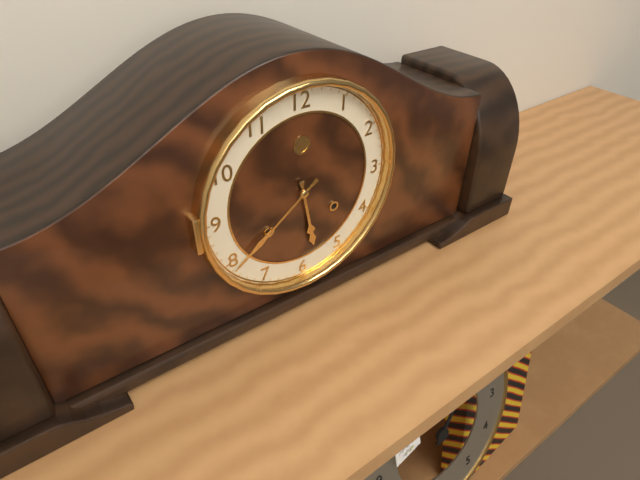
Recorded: {"hour": 5, "minute": 39}
